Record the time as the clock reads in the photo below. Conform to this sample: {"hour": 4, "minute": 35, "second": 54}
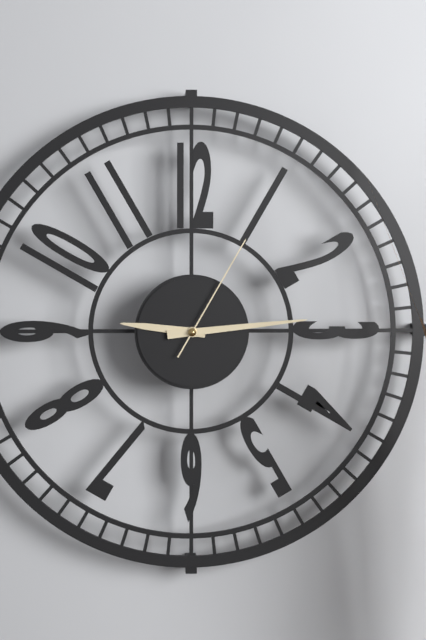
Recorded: {"hour": 9, "minute": 14, "second": 5}
